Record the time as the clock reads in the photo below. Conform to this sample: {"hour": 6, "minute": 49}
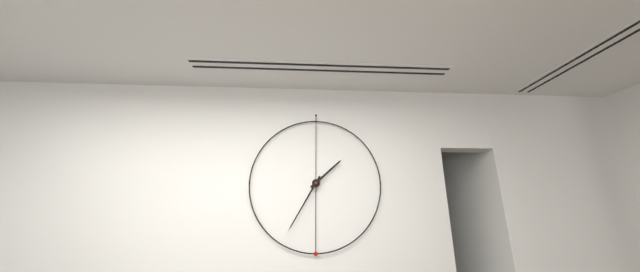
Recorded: {"hour": 1, "minute": 35}
